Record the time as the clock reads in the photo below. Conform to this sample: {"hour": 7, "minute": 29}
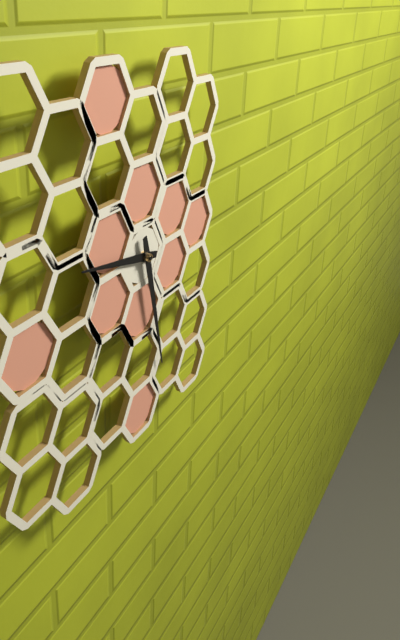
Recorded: {"hour": 9, "minute": 28}
